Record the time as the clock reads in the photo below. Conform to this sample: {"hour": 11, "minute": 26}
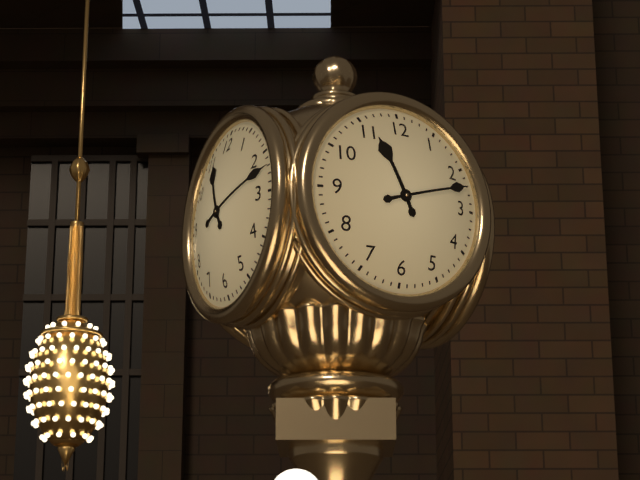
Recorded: {"hour": 11, "minute": 12}
